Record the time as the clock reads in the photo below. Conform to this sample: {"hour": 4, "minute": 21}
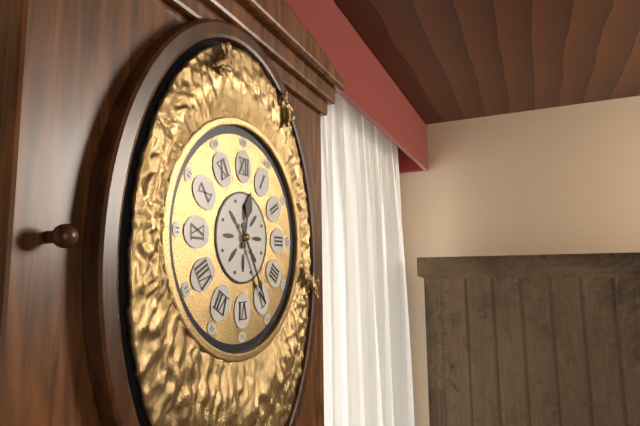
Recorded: {"hour": 12, "minute": 25}
